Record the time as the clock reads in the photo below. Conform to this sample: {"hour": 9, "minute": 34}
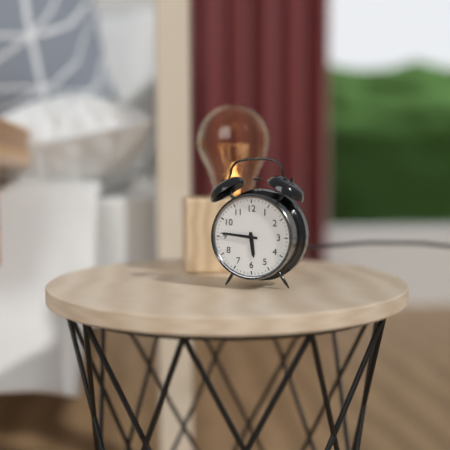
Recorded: {"hour": 5, "minute": 46}
